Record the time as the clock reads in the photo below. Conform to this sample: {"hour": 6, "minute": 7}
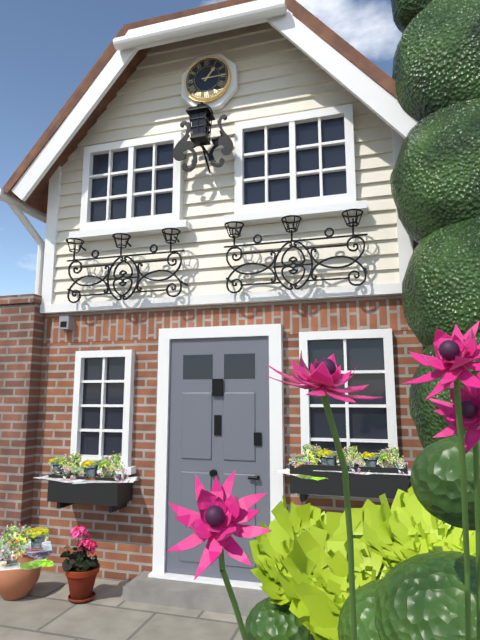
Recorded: {"hour": 1, "minute": 15}
